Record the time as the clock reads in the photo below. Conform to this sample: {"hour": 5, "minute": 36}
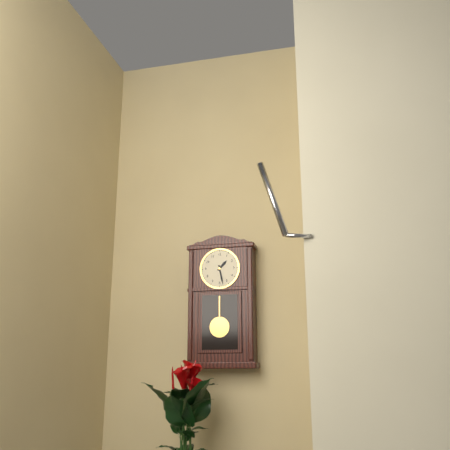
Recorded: {"hour": 1, "minute": 28}
